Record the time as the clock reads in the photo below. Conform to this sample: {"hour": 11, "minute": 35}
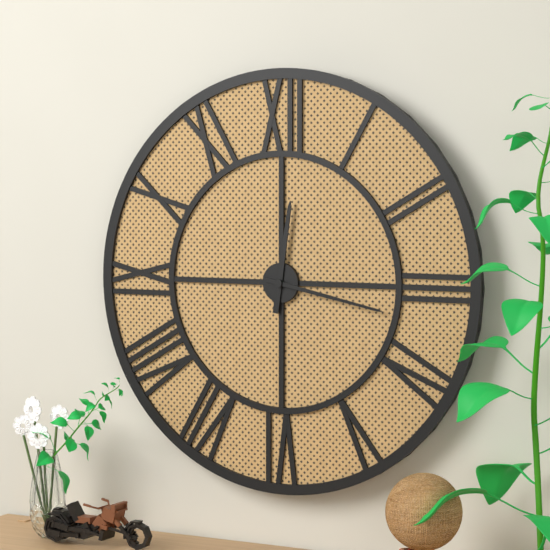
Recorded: {"hour": 12, "minute": 17}
